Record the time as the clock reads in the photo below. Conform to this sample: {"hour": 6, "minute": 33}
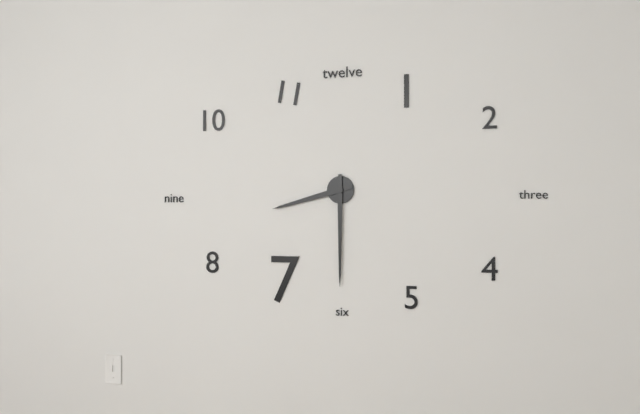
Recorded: {"hour": 8, "minute": 30}
